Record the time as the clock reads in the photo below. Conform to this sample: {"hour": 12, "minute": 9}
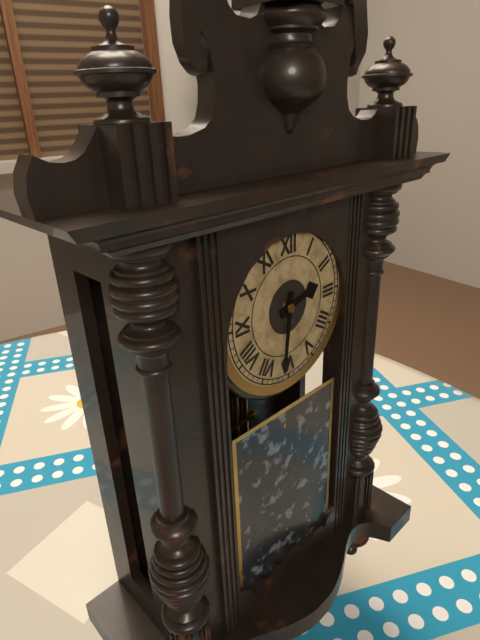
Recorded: {"hour": 2, "minute": 31}
